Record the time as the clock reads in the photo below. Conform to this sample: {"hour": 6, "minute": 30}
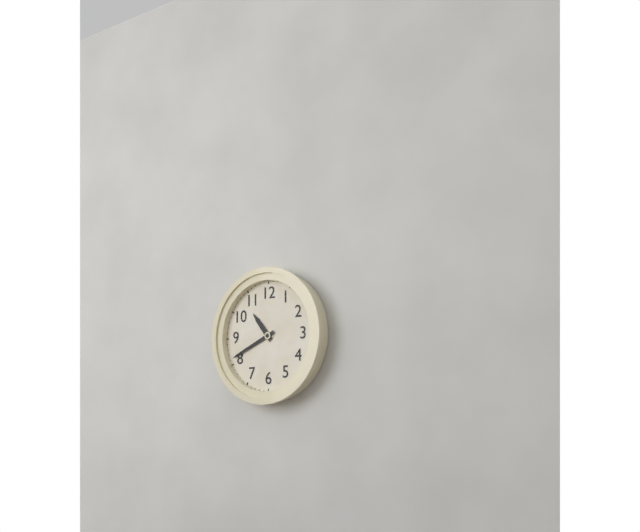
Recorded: {"hour": 10, "minute": 41}
